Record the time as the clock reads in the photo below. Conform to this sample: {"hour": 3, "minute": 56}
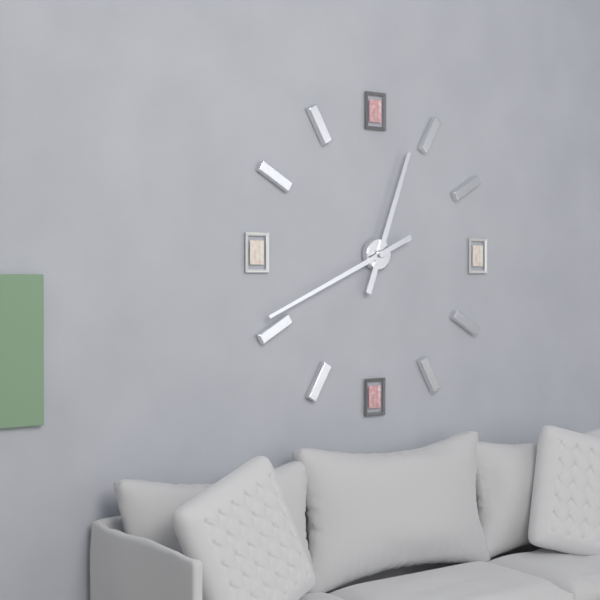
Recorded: {"hour": 12, "minute": 41}
